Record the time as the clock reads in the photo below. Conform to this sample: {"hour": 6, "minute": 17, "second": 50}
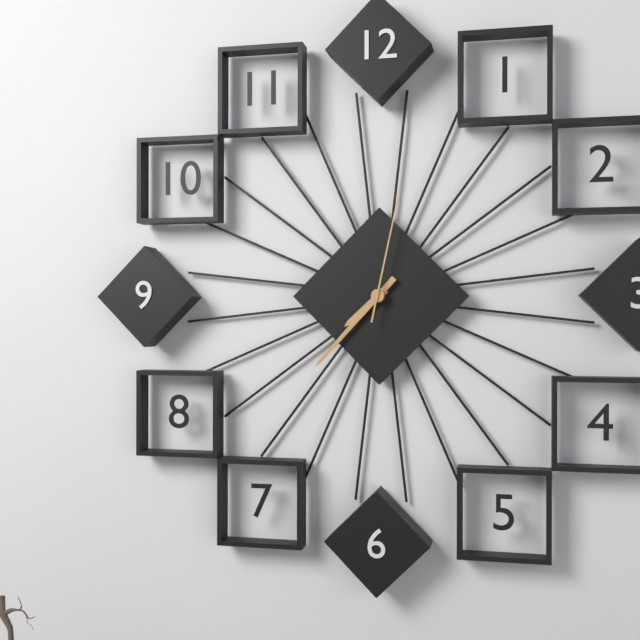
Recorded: {"hour": 7, "minute": 37, "second": 2}
